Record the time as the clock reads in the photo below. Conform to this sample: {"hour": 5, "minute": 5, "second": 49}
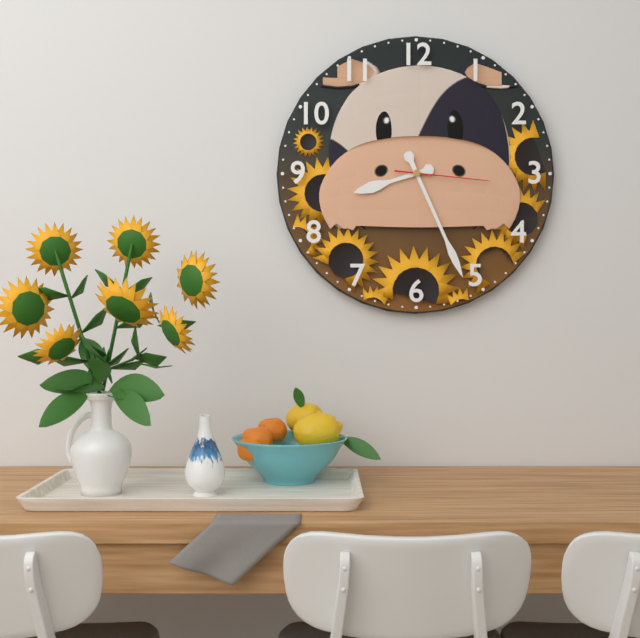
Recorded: {"hour": 8, "minute": 26, "second": 16}
